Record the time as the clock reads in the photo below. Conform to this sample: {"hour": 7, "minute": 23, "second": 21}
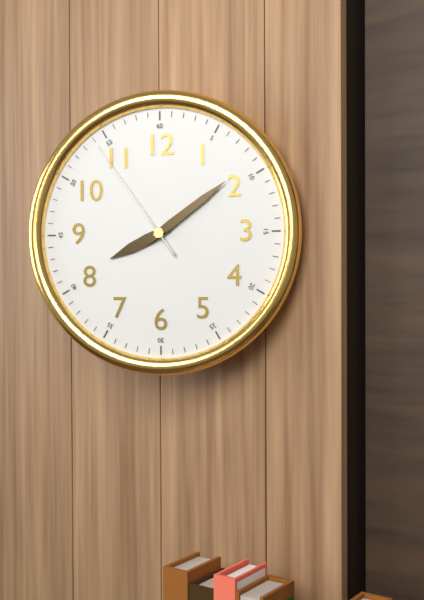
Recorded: {"hour": 8, "minute": 9, "second": 54}
